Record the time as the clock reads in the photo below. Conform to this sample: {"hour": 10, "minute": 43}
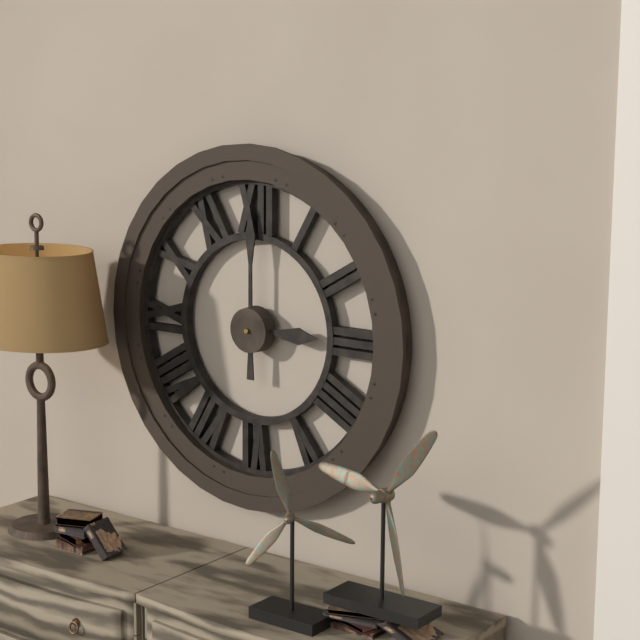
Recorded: {"hour": 3, "minute": 0}
